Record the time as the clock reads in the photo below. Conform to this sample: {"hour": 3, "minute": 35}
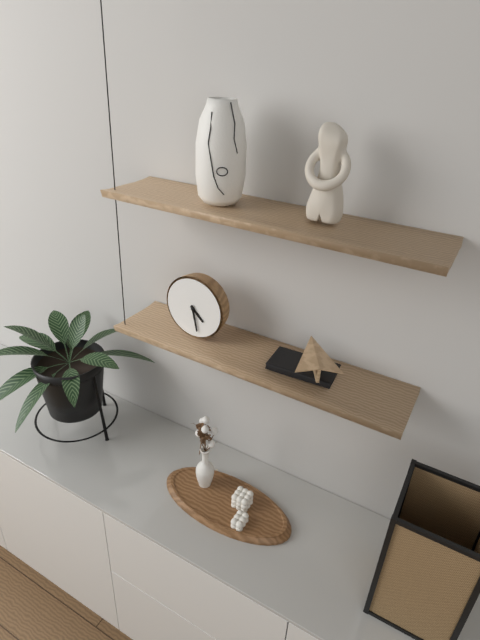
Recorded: {"hour": 4, "minute": 28}
